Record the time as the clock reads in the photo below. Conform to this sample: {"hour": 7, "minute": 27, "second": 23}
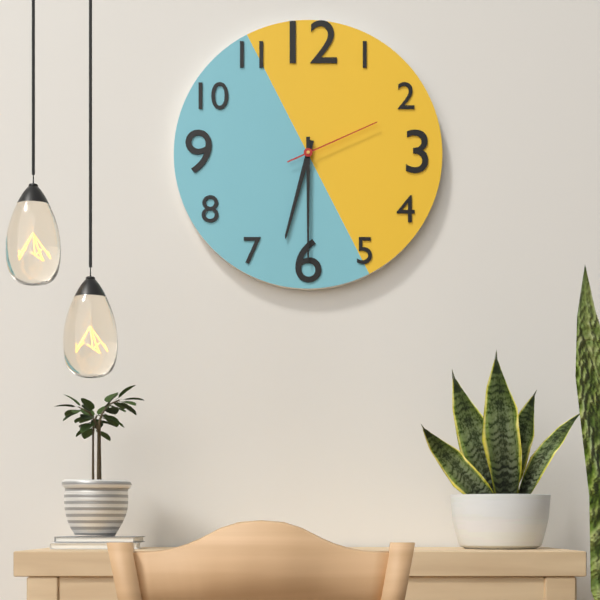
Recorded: {"hour": 6, "minute": 30, "second": 11}
